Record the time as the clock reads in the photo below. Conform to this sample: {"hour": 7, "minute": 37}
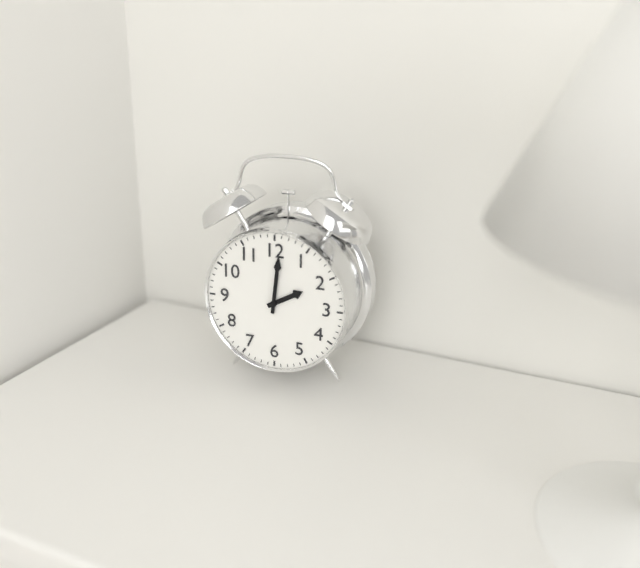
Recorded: {"hour": 2, "minute": 1}
